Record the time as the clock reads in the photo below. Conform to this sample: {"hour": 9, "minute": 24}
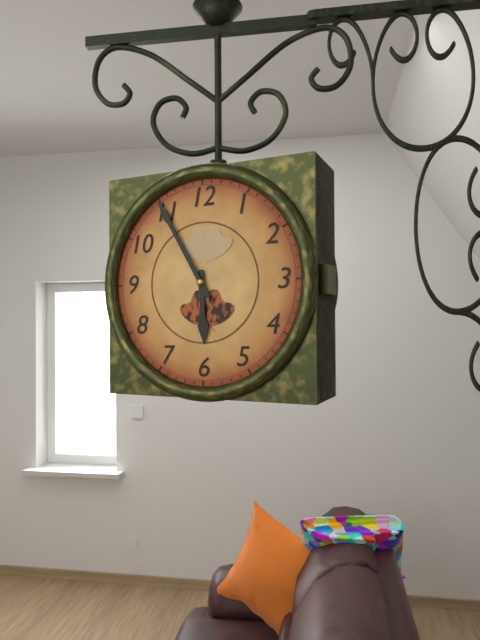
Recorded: {"hour": 5, "minute": 55}
